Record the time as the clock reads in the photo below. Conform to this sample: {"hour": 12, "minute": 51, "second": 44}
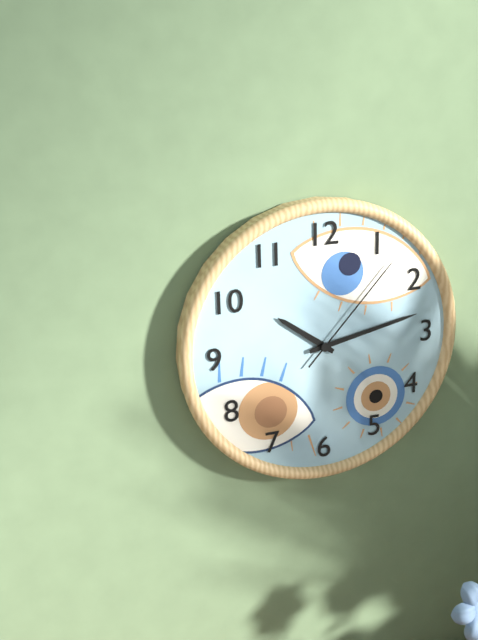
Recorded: {"hour": 10, "minute": 13, "second": 7}
